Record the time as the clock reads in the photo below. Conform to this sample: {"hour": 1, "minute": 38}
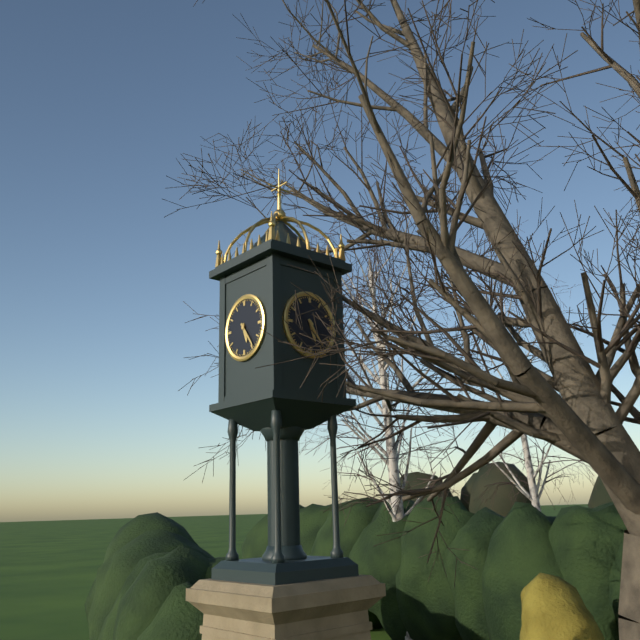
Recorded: {"hour": 5, "minute": 24}
